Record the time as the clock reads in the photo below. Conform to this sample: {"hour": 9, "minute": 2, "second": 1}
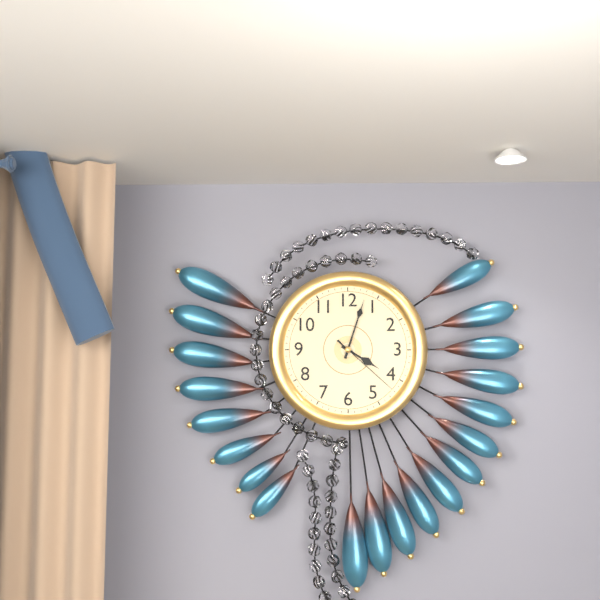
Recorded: {"hour": 4, "minute": 3, "second": 22}
